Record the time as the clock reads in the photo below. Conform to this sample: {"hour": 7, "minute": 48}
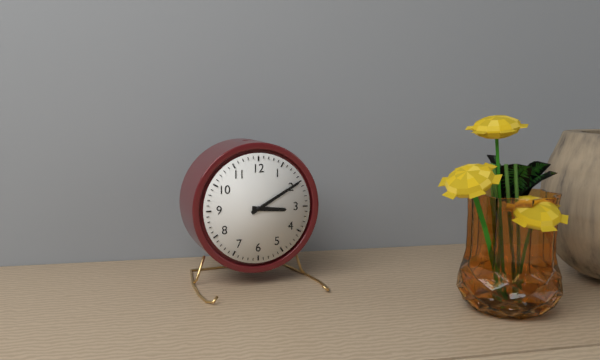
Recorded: {"hour": 3, "minute": 10}
